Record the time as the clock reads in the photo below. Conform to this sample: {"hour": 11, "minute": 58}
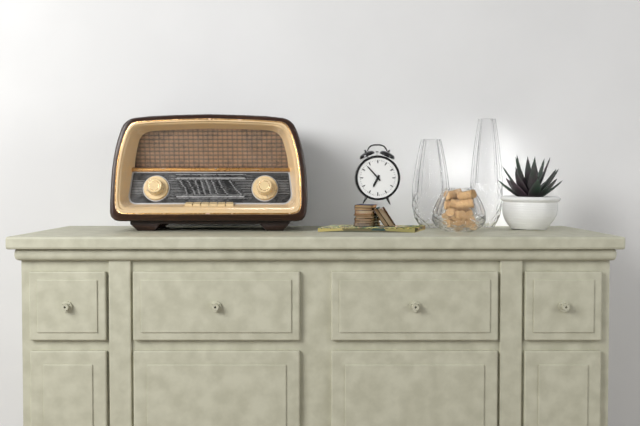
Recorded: {"hour": 6, "minute": 53}
